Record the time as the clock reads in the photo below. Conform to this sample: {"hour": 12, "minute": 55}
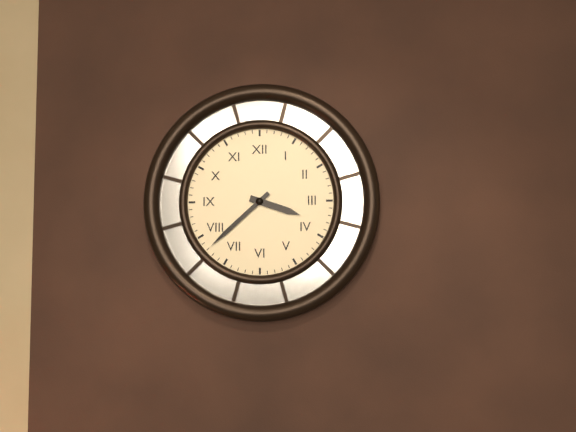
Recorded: {"hour": 3, "minute": 38}
